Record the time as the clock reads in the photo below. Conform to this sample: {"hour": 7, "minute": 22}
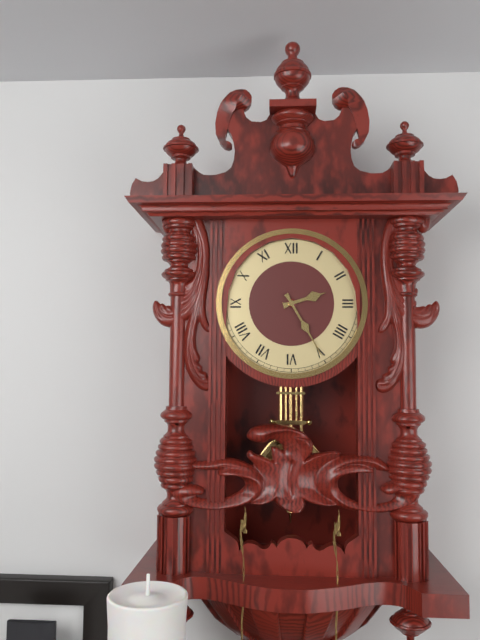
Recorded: {"hour": 2, "minute": 25}
